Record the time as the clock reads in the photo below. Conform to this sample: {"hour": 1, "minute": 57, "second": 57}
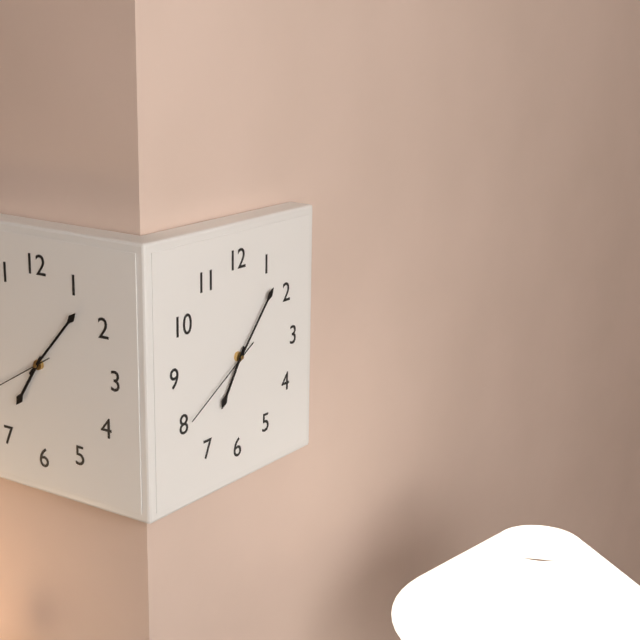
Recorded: {"hour": 7, "minute": 7, "second": 40}
